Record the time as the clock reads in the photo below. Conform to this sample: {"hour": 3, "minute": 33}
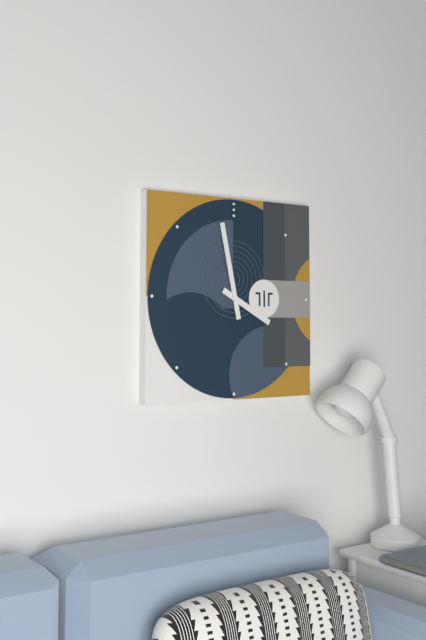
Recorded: {"hour": 3, "minute": 58}
